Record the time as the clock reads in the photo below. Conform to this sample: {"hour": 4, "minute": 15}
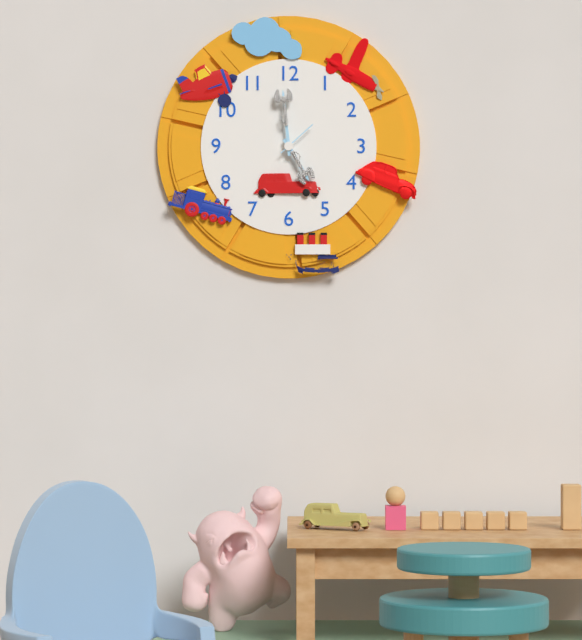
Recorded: {"hour": 4, "minute": 59}
